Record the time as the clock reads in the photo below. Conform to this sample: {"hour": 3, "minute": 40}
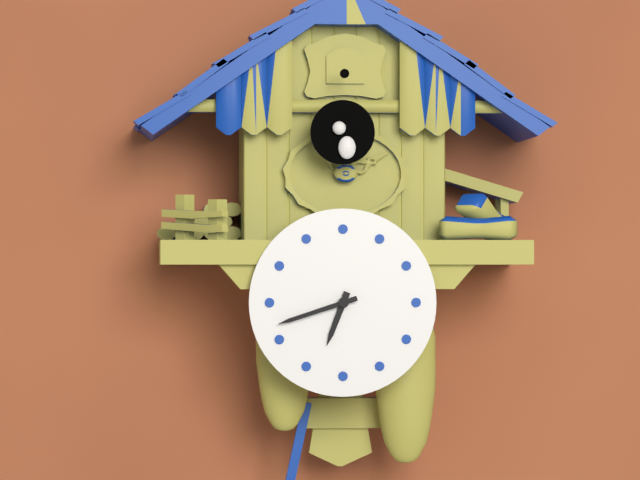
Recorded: {"hour": 6, "minute": 42}
